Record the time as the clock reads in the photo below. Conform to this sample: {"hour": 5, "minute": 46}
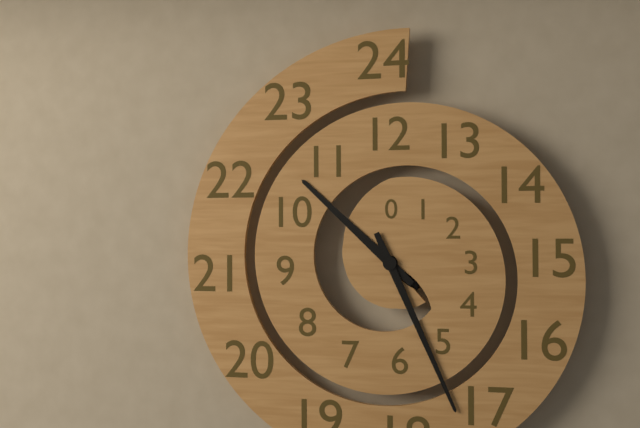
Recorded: {"hour": 10, "minute": 26}
